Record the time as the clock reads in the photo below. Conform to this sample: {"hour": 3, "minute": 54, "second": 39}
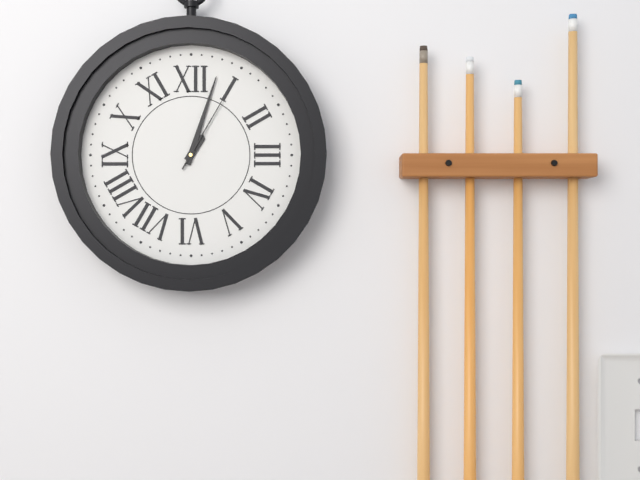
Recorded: {"hour": 1, "minute": 3, "second": 5}
